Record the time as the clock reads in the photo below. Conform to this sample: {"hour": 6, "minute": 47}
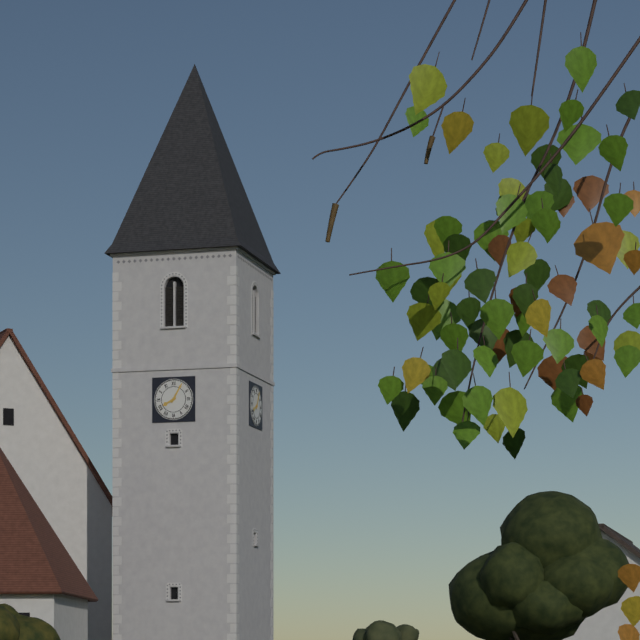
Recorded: {"hour": 8, "minute": 5}
